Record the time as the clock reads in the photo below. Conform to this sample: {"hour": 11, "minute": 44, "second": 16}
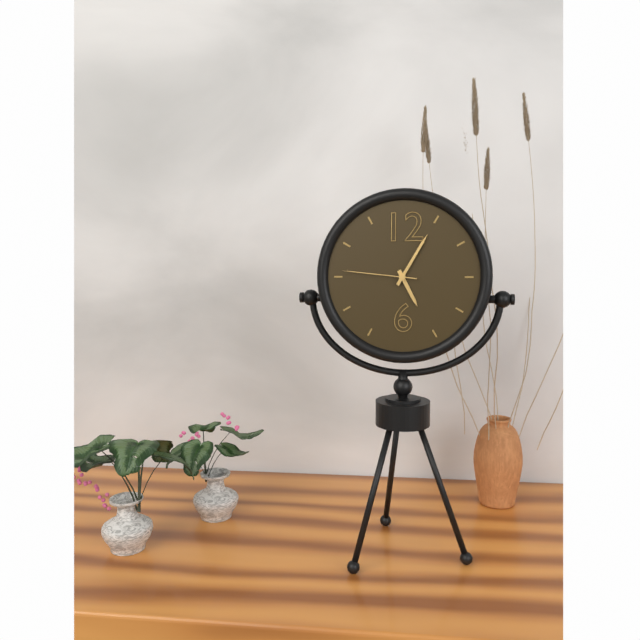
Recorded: {"hour": 5, "minute": 5, "second": 46}
